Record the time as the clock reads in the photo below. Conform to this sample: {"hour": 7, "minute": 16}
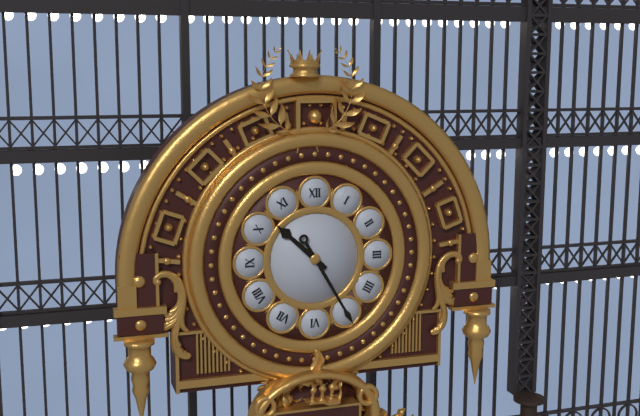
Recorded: {"hour": 10, "minute": 25}
